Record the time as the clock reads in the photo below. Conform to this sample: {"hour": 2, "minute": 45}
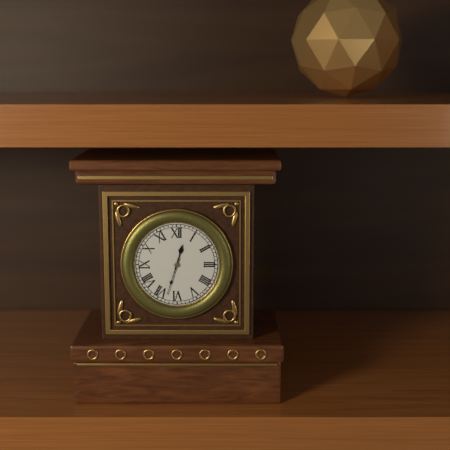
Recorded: {"hour": 12, "minute": 33}
